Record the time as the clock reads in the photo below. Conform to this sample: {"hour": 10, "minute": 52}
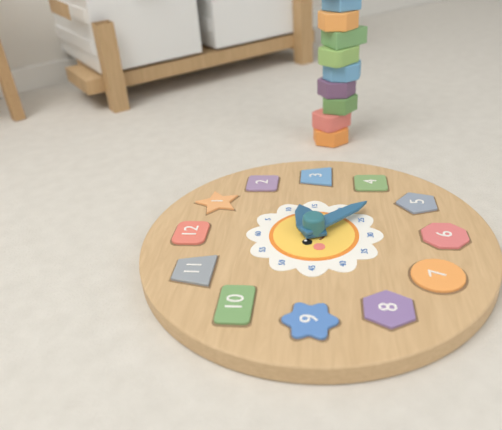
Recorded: {"hour": 2, "minute": 23}
